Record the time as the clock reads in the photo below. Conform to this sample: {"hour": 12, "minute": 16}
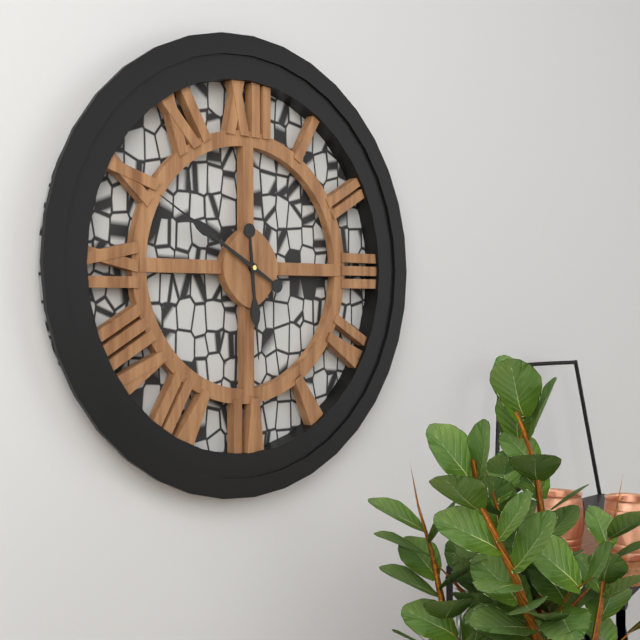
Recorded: {"hour": 5, "minute": 50}
